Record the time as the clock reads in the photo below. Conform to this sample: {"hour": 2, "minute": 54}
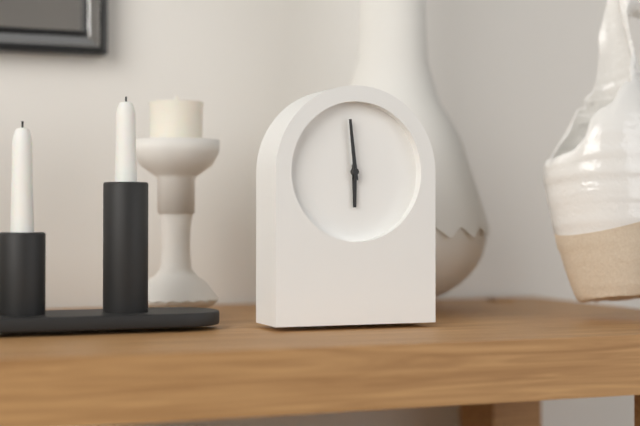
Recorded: {"hour": 5, "minute": 59}
